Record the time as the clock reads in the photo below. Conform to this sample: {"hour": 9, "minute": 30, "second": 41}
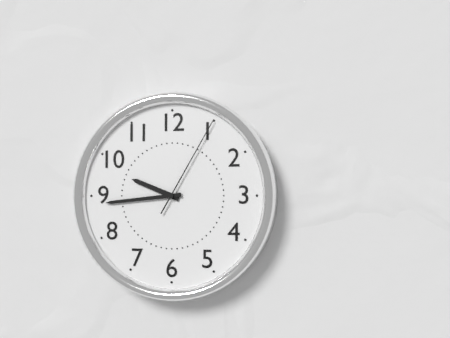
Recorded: {"hour": 9, "minute": 44, "second": 5}
